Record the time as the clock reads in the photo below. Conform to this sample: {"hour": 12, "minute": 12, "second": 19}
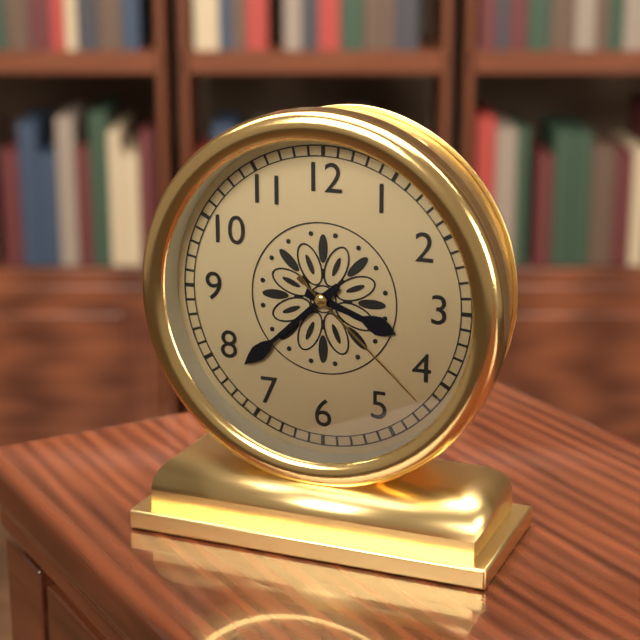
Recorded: {"hour": 3, "minute": 38, "second": 22}
